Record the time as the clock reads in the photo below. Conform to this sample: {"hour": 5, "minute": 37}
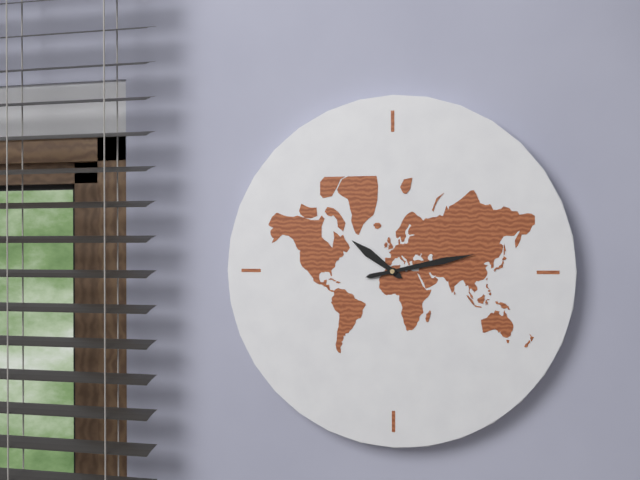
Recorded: {"hour": 10, "minute": 13}
